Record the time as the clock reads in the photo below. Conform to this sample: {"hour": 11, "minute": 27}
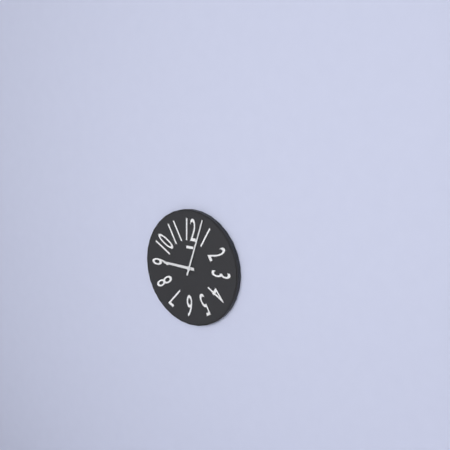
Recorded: {"hour": 9, "minute": 3}
